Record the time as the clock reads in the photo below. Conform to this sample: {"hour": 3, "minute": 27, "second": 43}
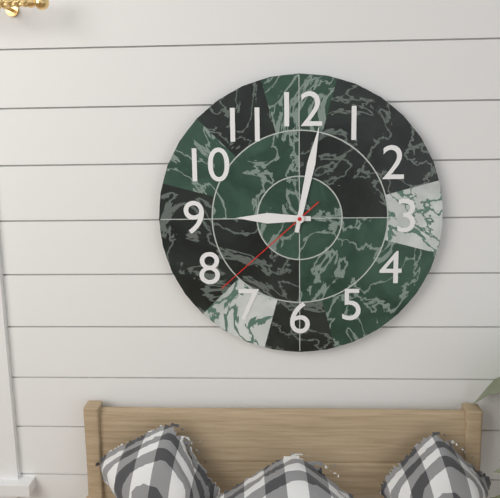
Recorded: {"hour": 9, "minute": 2, "second": 38}
